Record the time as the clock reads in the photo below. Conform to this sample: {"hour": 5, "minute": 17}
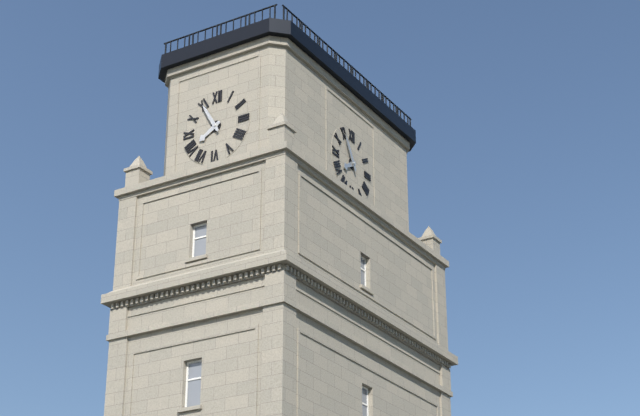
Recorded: {"hour": 7, "minute": 55}
